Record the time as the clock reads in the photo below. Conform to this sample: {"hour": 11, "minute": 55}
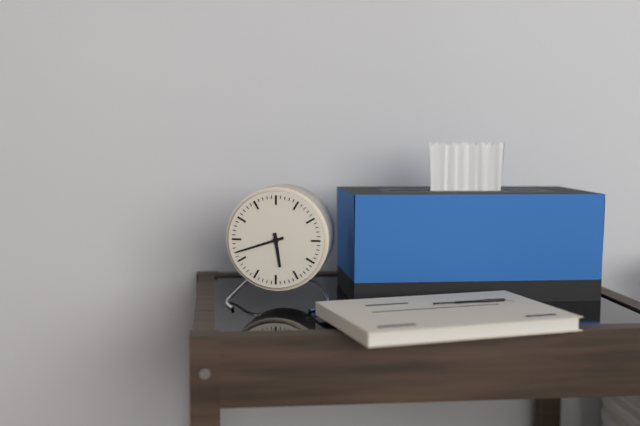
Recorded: {"hour": 5, "minute": 42}
